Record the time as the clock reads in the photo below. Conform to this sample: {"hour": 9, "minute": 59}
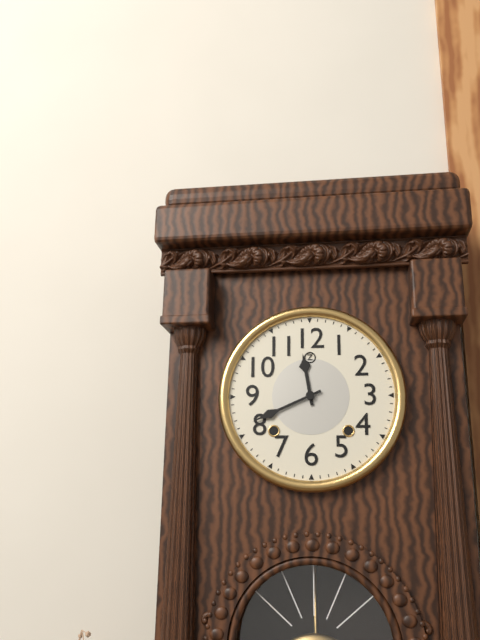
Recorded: {"hour": 11, "minute": 41}
